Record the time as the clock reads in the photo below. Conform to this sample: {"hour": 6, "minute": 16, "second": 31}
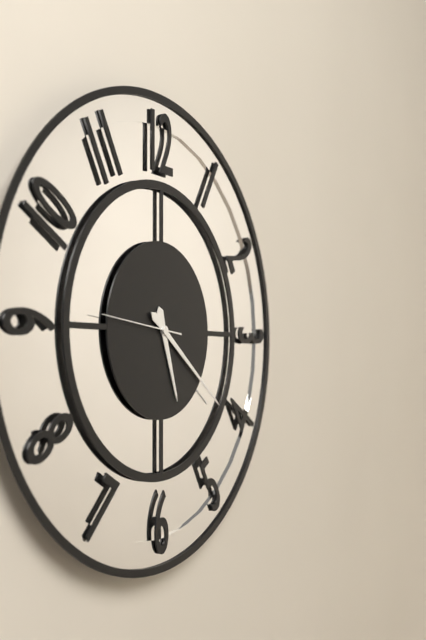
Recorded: {"hour": 5, "minute": 21, "second": 46}
